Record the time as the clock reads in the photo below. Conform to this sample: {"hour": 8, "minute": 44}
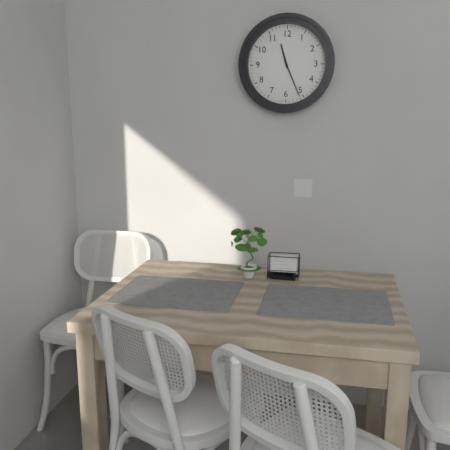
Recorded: {"hour": 11, "minute": 26}
